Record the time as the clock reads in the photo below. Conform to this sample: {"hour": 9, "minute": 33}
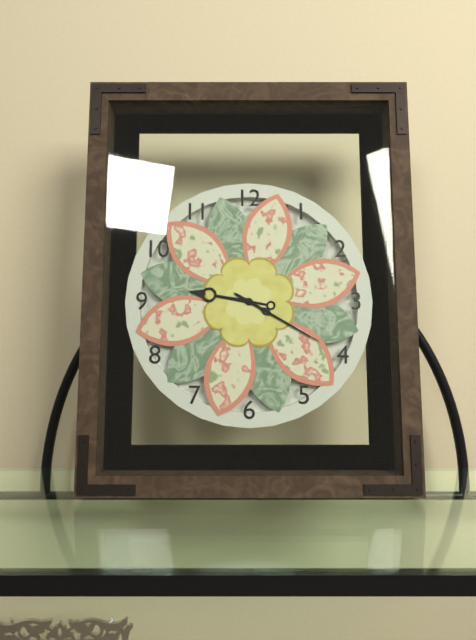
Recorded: {"hour": 9, "minute": 20}
